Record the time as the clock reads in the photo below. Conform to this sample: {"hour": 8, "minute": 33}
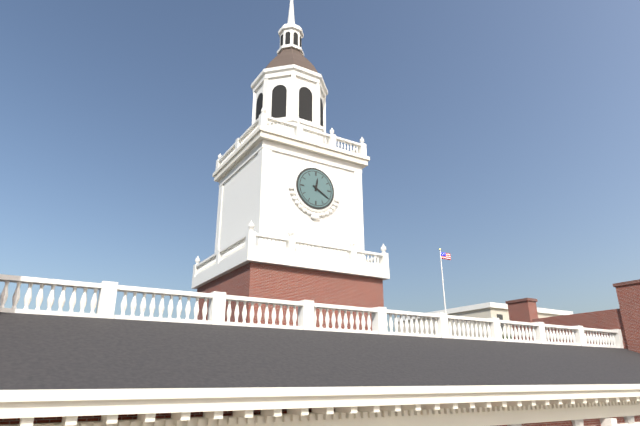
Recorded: {"hour": 12, "minute": 20}
